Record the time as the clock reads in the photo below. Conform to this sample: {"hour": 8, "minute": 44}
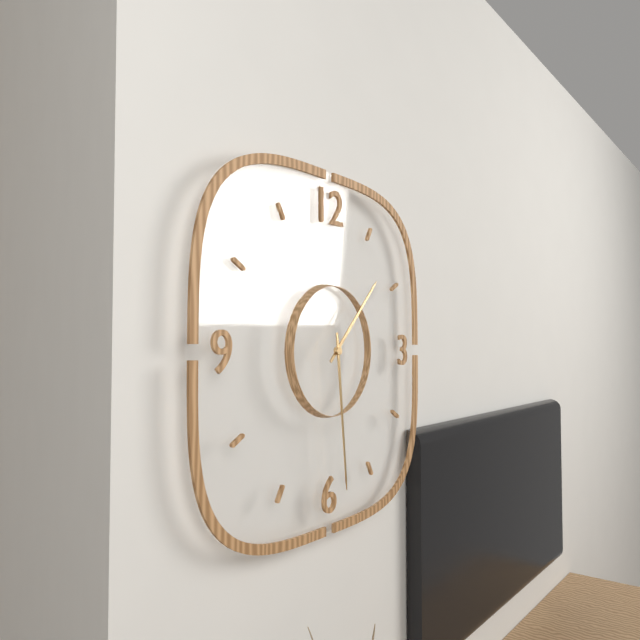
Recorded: {"hour": 1, "minute": 29}
